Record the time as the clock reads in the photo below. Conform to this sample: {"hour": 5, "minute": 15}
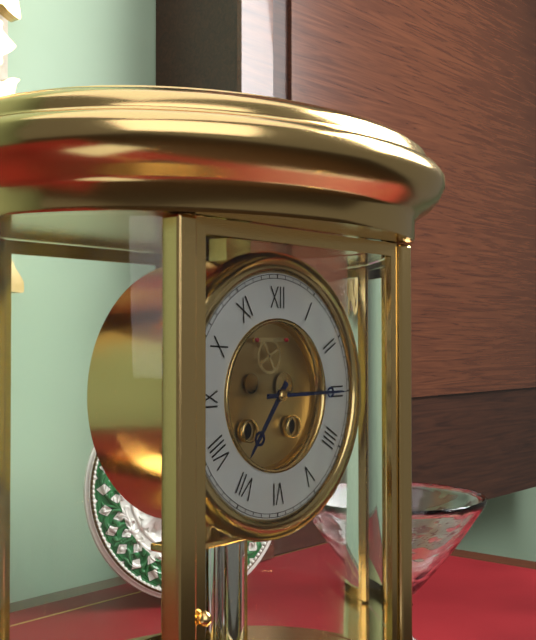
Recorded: {"hour": 7, "minute": 15}
